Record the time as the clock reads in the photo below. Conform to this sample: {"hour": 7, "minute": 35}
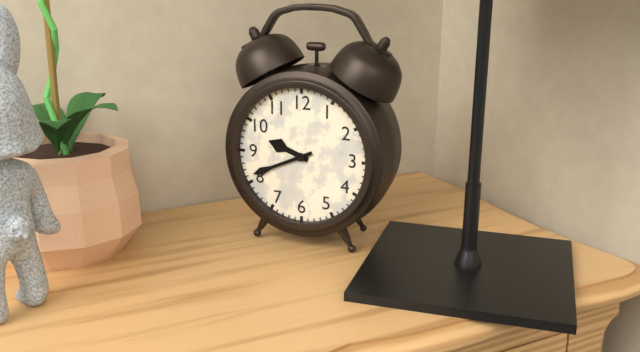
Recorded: {"hour": 9, "minute": 41}
